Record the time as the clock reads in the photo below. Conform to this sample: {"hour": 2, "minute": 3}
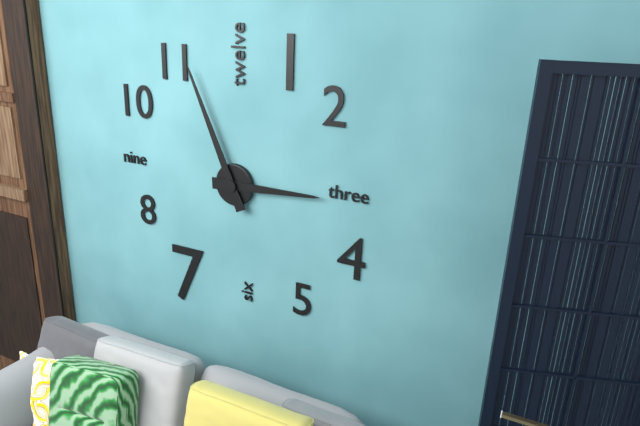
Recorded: {"hour": 2, "minute": 56}
